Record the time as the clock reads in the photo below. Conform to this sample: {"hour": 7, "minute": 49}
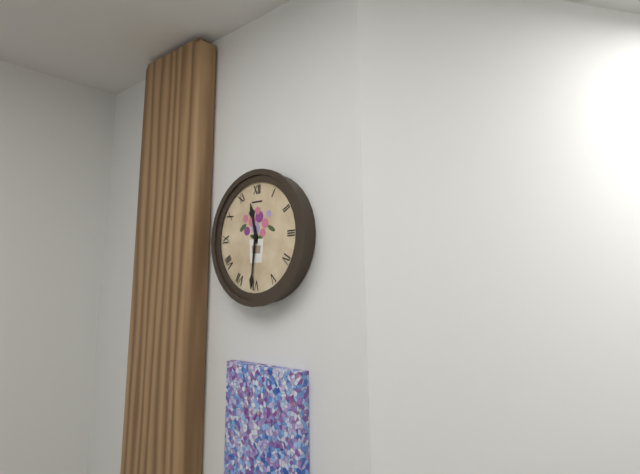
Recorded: {"hour": 11, "minute": 31}
